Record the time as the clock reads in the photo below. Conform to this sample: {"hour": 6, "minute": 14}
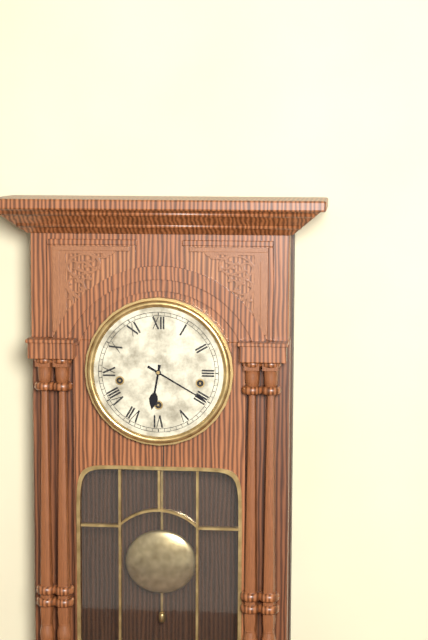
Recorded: {"hour": 6, "minute": 20}
